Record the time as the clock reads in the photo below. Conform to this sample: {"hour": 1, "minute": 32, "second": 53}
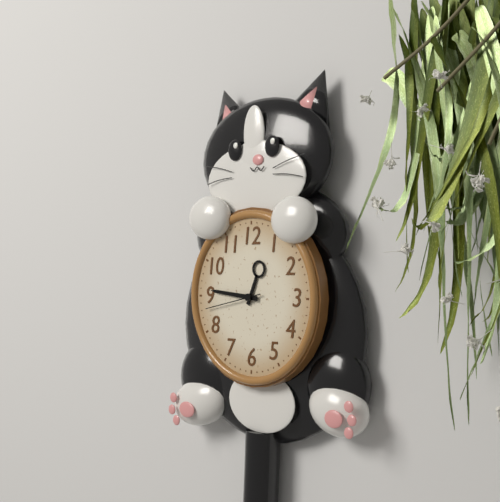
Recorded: {"hour": 12, "minute": 46, "second": 43}
